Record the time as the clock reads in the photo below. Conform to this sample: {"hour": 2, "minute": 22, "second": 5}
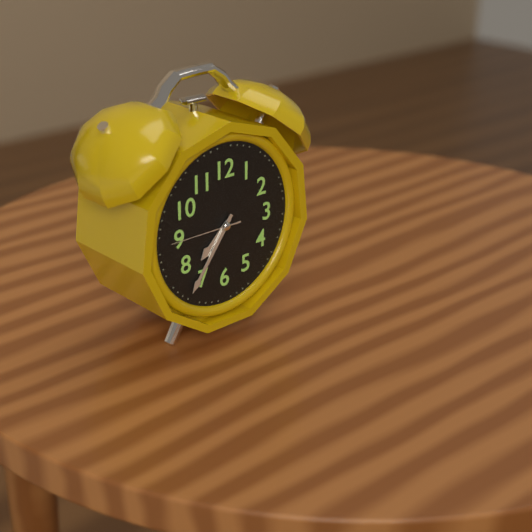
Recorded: {"hour": 7, "minute": 36, "second": 45}
